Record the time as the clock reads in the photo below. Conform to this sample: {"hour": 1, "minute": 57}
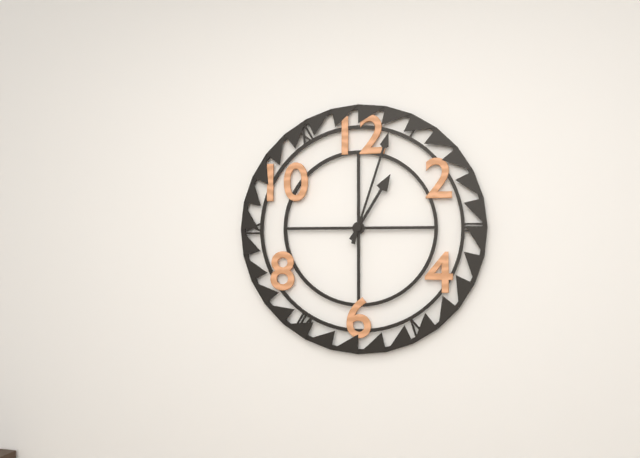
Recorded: {"hour": 1, "minute": 3}
